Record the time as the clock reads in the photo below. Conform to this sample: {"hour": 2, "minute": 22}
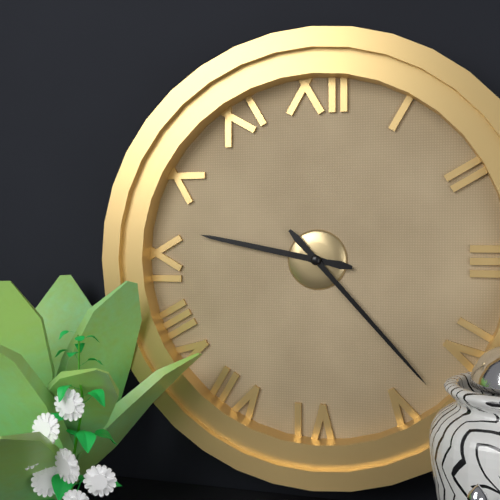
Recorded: {"hour": 9, "minute": 23}
